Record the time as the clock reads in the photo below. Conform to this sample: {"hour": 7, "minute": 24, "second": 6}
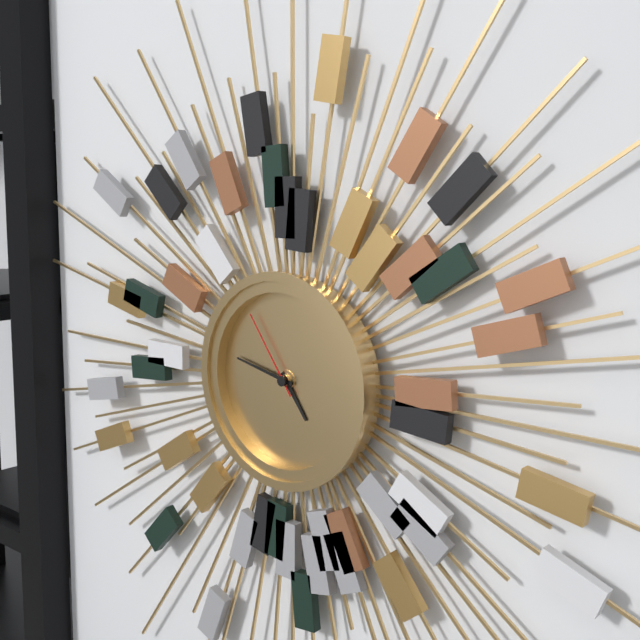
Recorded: {"hour": 4, "minute": 47, "second": 54}
